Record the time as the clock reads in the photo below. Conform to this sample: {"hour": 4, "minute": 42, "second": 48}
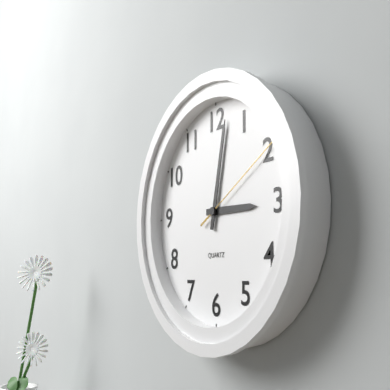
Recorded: {"hour": 3, "minute": 2, "second": 10}
